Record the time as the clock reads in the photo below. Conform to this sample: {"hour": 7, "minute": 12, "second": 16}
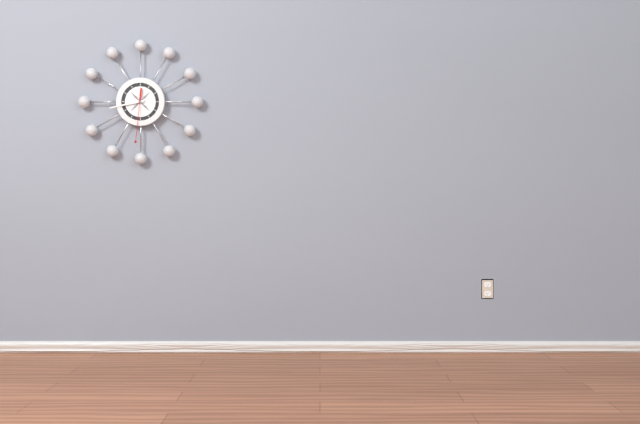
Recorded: {"hour": 8, "minute": 43, "second": 31}
